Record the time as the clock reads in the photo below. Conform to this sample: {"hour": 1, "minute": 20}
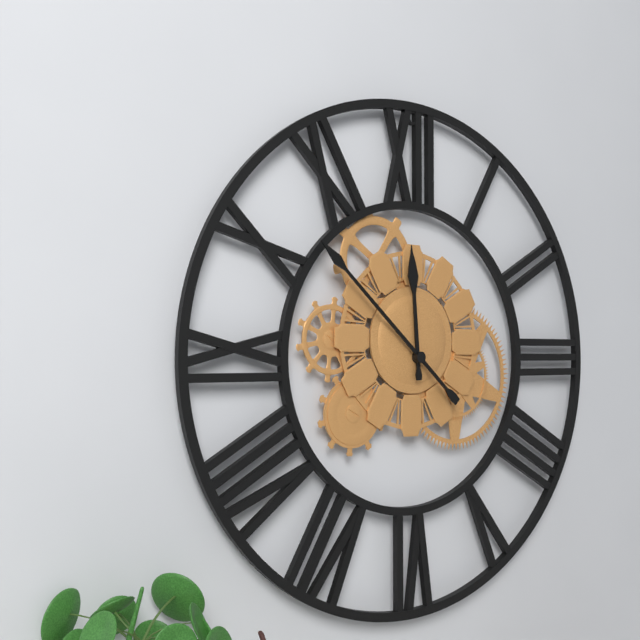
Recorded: {"hour": 11, "minute": 52}
